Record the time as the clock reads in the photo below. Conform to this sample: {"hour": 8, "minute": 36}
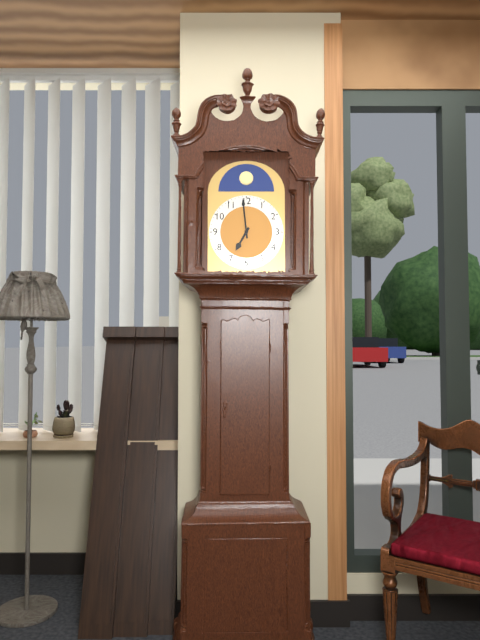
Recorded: {"hour": 6, "minute": 59}
